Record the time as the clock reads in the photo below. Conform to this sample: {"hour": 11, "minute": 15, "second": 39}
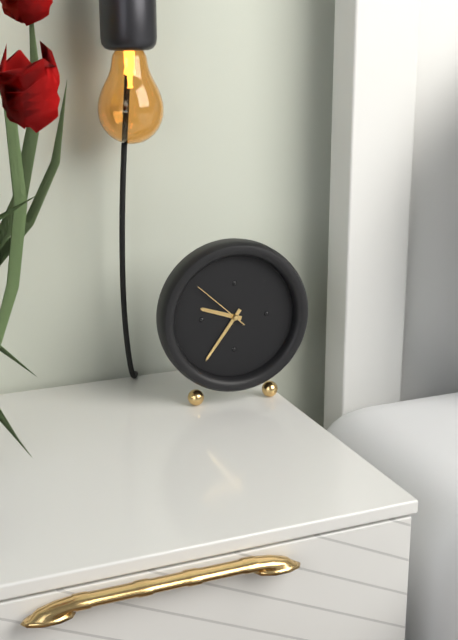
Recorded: {"hour": 9, "minute": 36, "second": 52}
